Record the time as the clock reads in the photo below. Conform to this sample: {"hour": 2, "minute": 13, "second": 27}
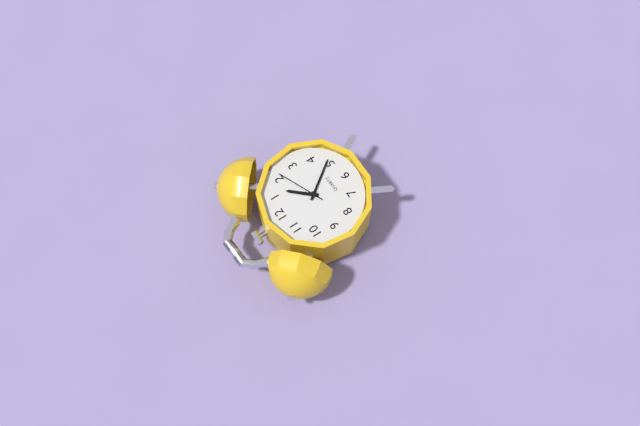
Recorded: {"hour": 1, "minute": 24, "second": 11}
